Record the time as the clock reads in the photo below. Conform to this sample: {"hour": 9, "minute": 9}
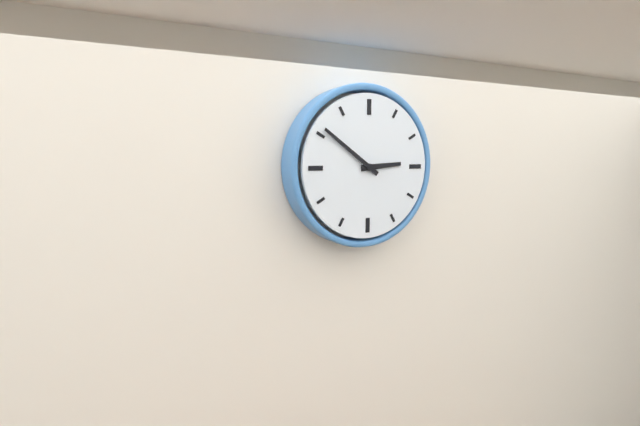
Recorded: {"hour": 2, "minute": 51}
